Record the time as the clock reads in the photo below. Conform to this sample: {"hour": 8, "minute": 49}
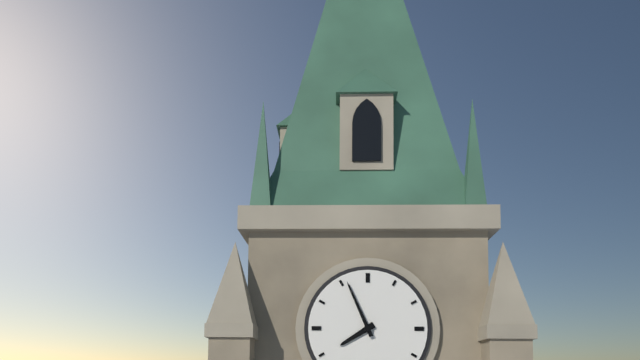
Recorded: {"hour": 7, "minute": 56}
